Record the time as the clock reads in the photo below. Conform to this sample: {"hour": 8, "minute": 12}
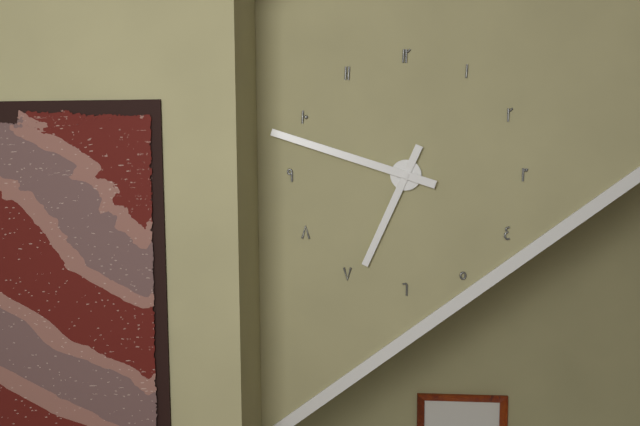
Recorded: {"hour": 6, "minute": 48}
